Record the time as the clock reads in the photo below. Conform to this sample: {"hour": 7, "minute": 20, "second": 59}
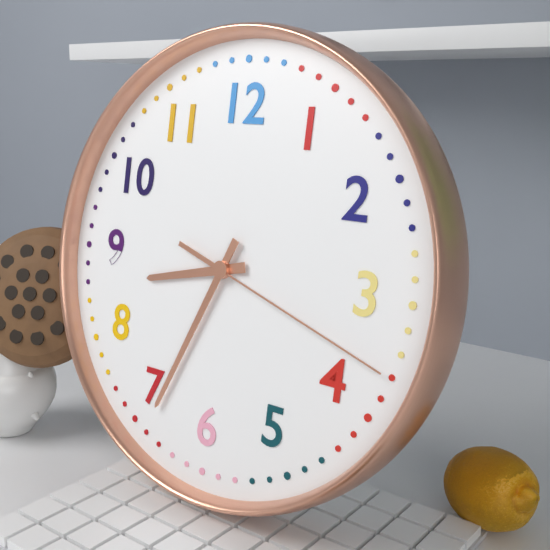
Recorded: {"hour": 8, "minute": 34, "second": 18}
